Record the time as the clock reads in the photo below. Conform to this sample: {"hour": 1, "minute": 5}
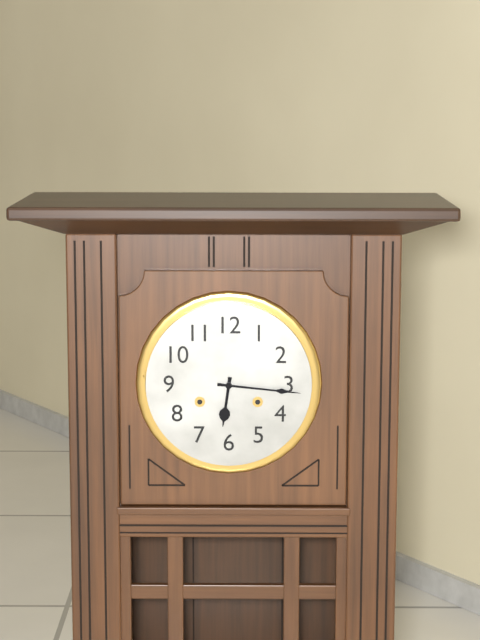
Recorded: {"hour": 6, "minute": 16}
